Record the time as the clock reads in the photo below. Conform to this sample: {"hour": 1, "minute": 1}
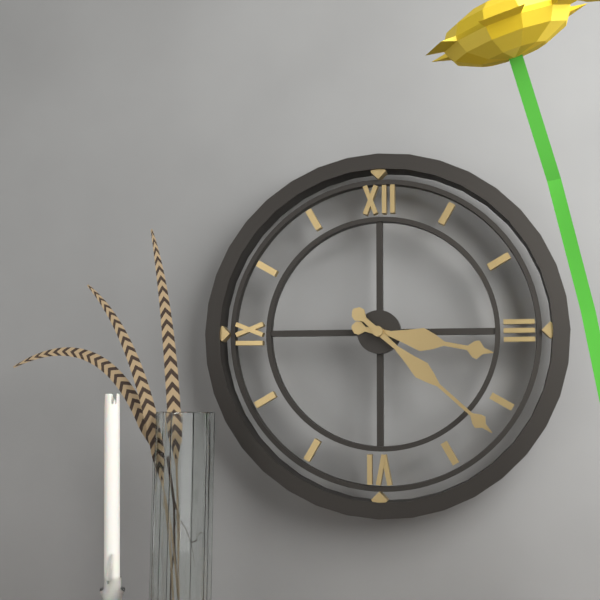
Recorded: {"hour": 3, "minute": 22}
